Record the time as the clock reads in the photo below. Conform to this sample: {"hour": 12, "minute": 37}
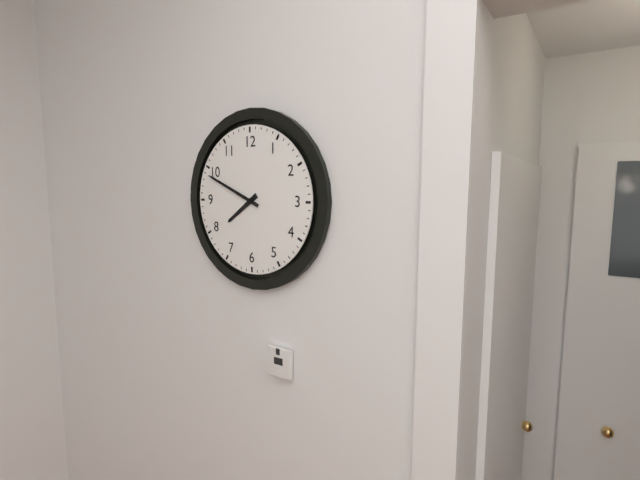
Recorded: {"hour": 7, "minute": 49}
